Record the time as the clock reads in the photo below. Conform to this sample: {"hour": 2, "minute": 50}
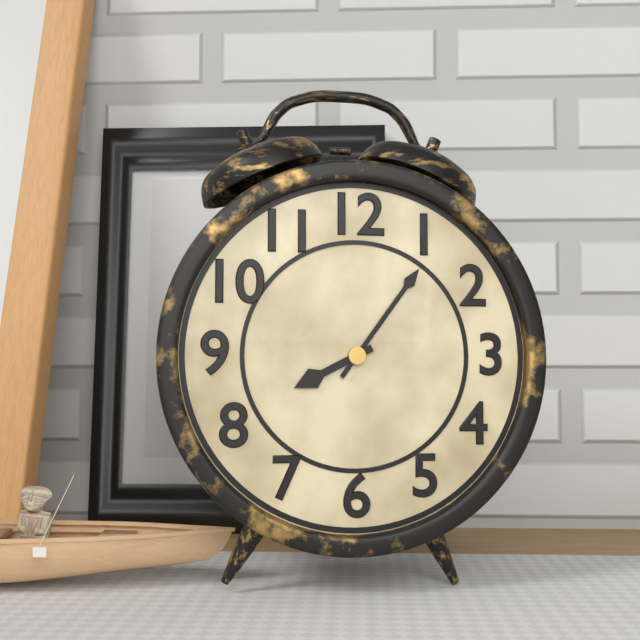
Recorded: {"hour": 8, "minute": 6}
